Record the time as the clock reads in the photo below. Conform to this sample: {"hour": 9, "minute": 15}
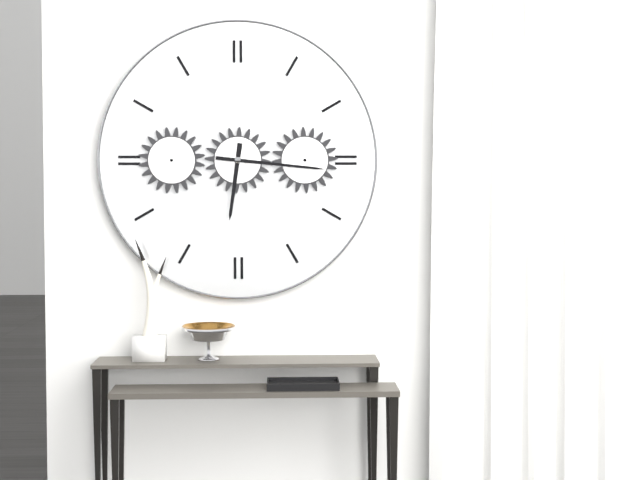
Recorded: {"hour": 6, "minute": 16}
